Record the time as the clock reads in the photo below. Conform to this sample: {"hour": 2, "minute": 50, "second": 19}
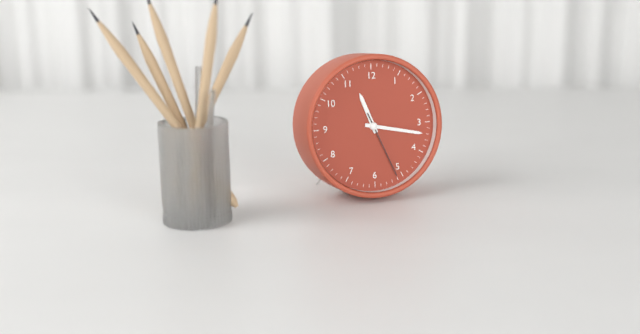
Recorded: {"hour": 11, "minute": 17, "second": 26}
